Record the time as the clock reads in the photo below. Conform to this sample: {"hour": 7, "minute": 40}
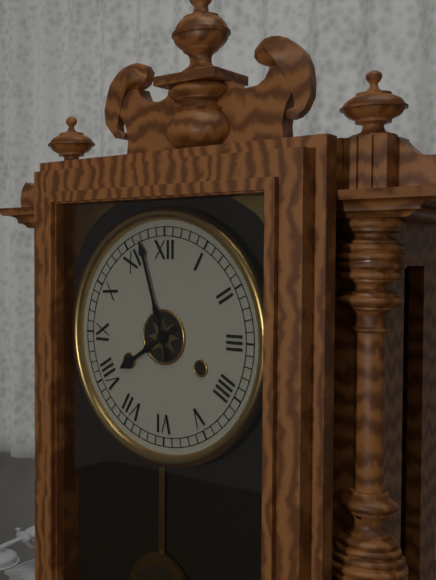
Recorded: {"hour": 7, "minute": 57}
